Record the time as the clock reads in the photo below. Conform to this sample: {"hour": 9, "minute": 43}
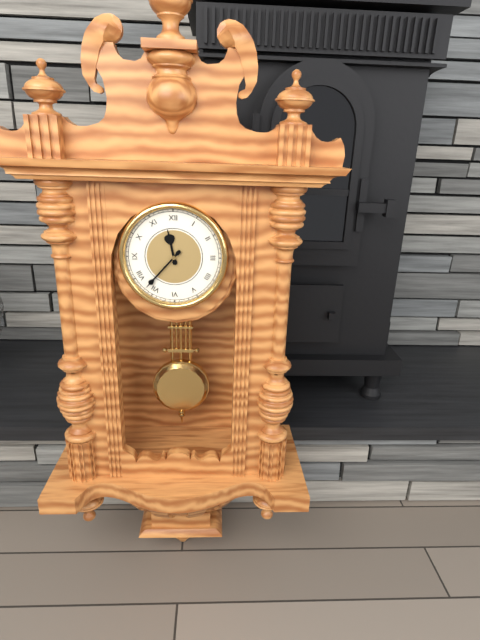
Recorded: {"hour": 11, "minute": 37}
